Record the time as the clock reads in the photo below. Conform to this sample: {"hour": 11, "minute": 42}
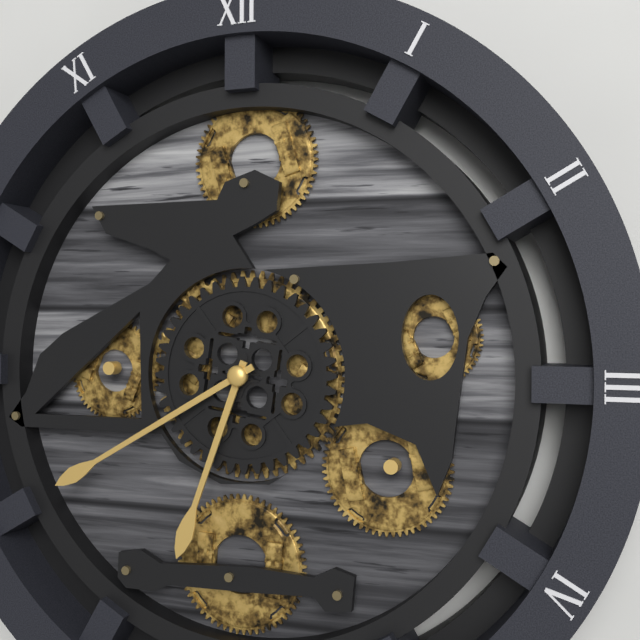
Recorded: {"hour": 6, "minute": 40}
